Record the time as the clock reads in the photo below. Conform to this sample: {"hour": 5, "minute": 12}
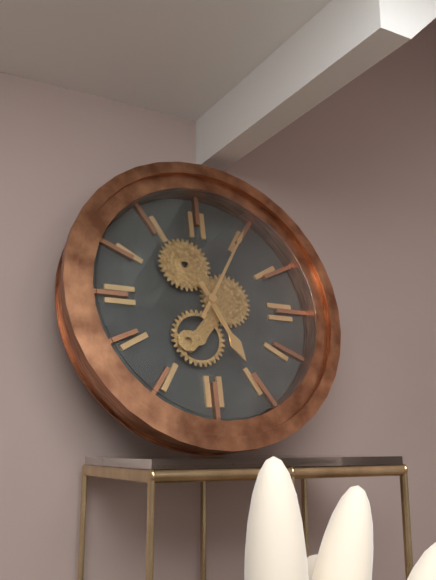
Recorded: {"hour": 5, "minute": 5}
